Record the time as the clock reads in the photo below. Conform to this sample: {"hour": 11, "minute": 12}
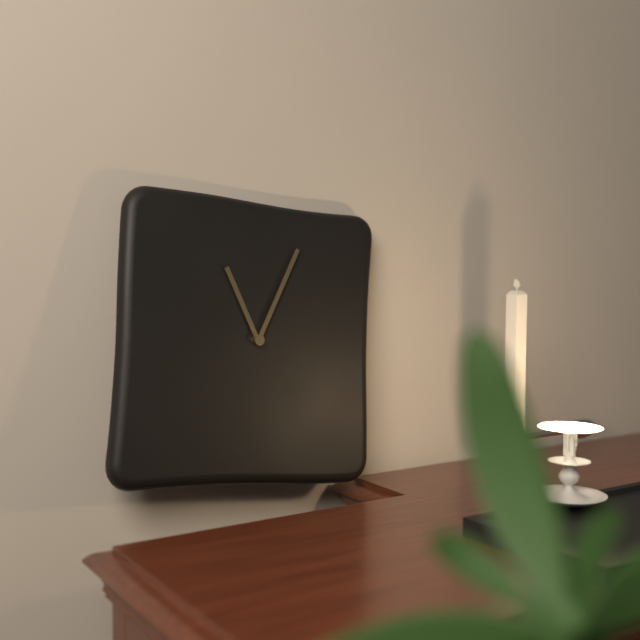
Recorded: {"hour": 11, "minute": 4}
